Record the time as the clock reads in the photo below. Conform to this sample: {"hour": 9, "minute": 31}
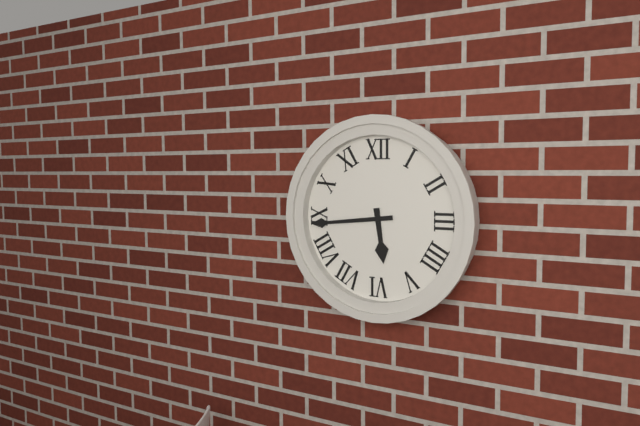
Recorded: {"hour": 5, "minute": 44}
